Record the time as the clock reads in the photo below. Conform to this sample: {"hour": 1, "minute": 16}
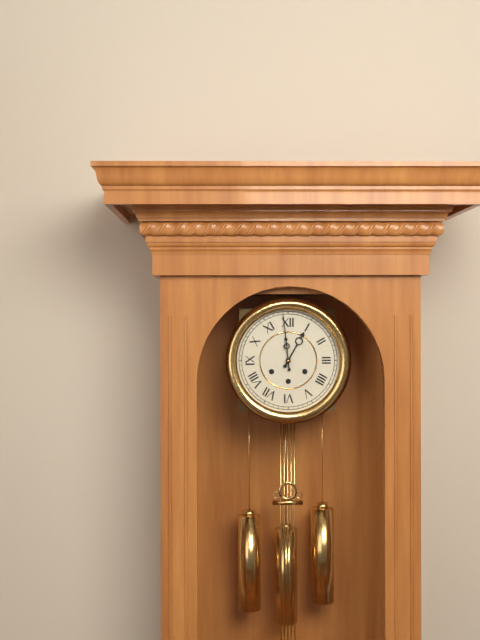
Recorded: {"hour": 12, "minute": 59}
